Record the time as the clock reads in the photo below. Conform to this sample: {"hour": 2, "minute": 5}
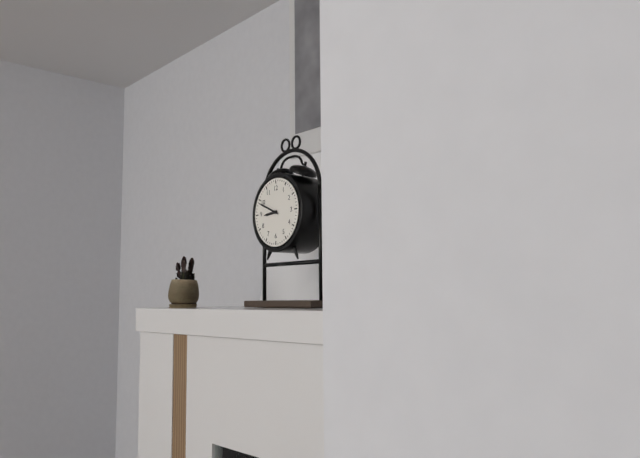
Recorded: {"hour": 8, "minute": 49}
